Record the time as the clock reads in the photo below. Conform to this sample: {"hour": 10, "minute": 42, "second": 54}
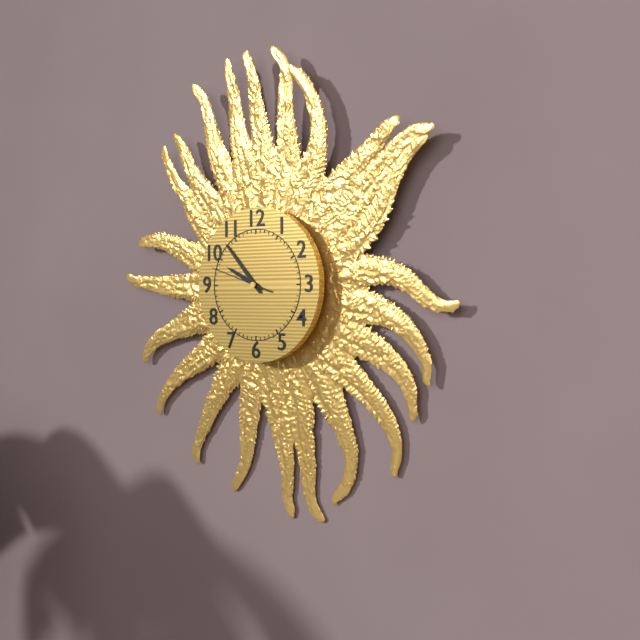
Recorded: {"hour": 9, "minute": 53, "second": 48}
